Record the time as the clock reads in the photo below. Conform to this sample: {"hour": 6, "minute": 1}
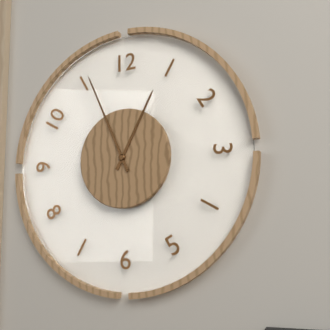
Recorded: {"hour": 12, "minute": 56}
